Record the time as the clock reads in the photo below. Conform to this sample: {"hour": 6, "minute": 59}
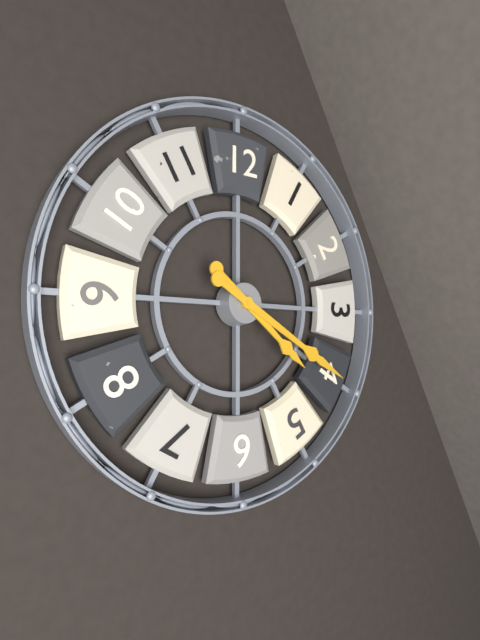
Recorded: {"hour": 4, "minute": 20}
